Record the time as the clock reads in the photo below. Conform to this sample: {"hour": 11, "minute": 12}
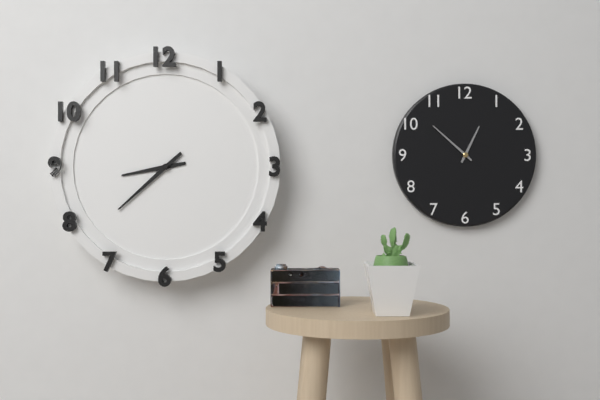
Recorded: {"hour": 8, "minute": 38}
